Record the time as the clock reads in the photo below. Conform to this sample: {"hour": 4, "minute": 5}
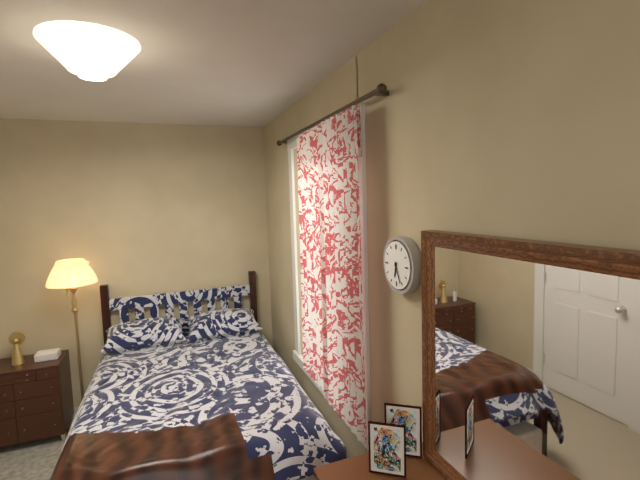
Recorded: {"hour": 6, "minute": 26}
